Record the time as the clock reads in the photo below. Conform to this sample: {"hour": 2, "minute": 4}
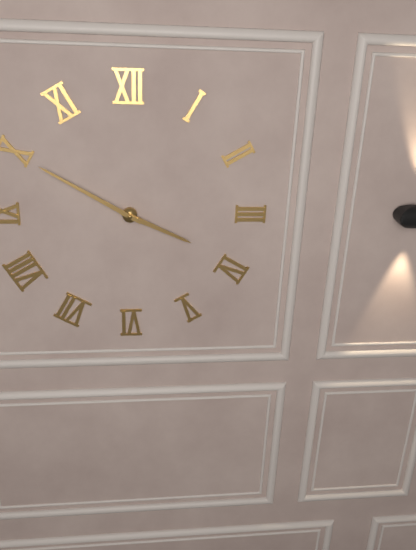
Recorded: {"hour": 3, "minute": 50}
